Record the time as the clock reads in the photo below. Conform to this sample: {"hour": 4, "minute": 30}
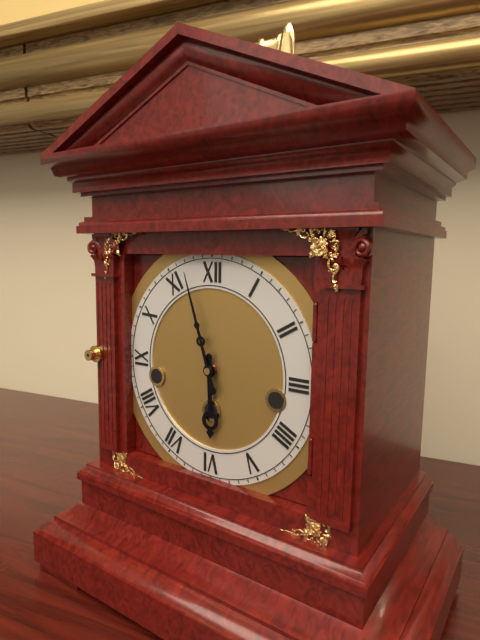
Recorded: {"hour": 5, "minute": 57}
